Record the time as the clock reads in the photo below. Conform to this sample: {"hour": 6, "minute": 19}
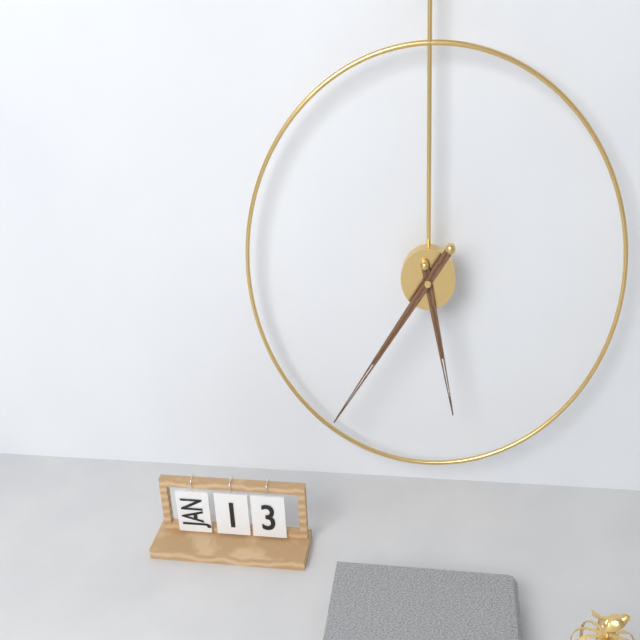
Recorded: {"hour": 5, "minute": 36}
